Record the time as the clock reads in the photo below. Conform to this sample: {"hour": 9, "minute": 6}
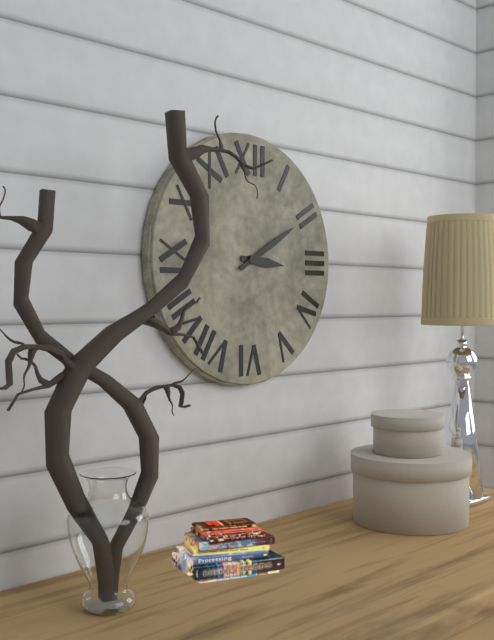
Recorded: {"hour": 3, "minute": 10}
